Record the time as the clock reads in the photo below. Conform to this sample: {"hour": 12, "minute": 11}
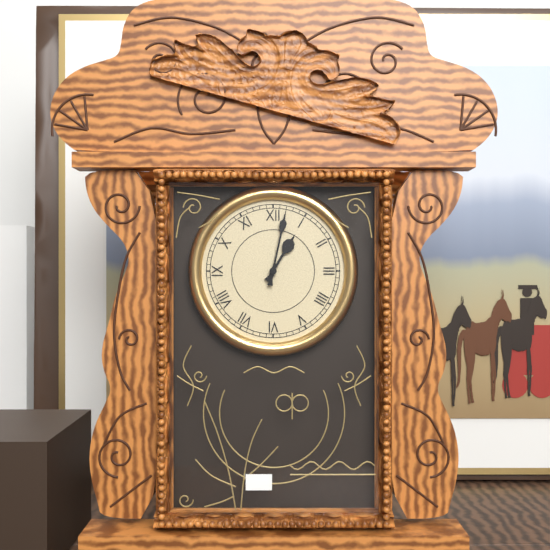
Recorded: {"hour": 1, "minute": 2}
